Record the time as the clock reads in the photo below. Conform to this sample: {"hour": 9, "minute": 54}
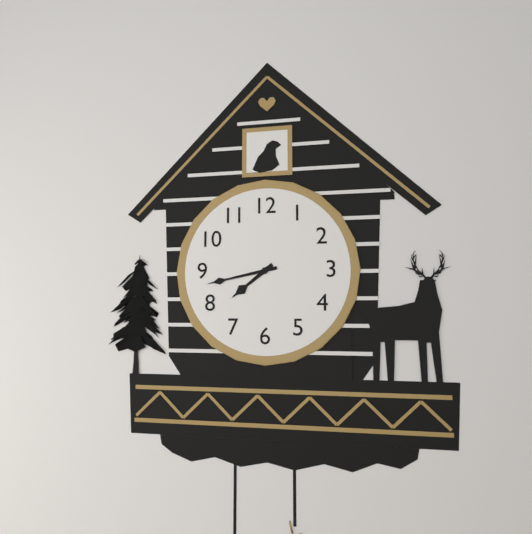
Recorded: {"hour": 7, "minute": 43}
